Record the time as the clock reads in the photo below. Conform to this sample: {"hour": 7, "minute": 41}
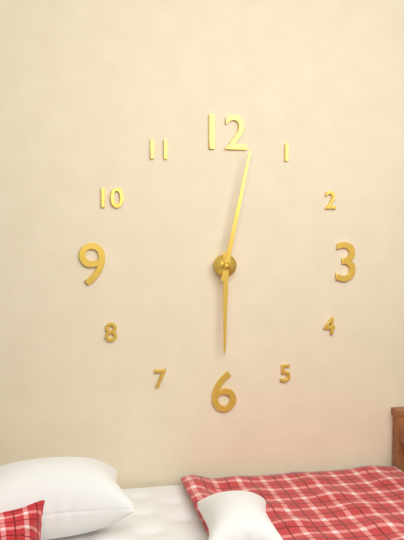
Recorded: {"hour": 6, "minute": 2}
